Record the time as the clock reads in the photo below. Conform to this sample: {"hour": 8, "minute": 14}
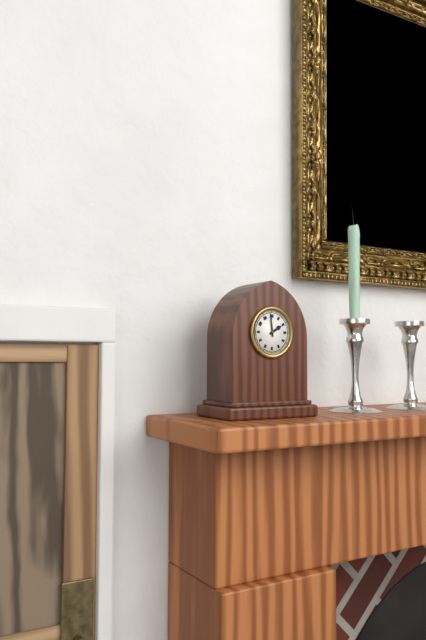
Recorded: {"hour": 1, "minute": 59}
